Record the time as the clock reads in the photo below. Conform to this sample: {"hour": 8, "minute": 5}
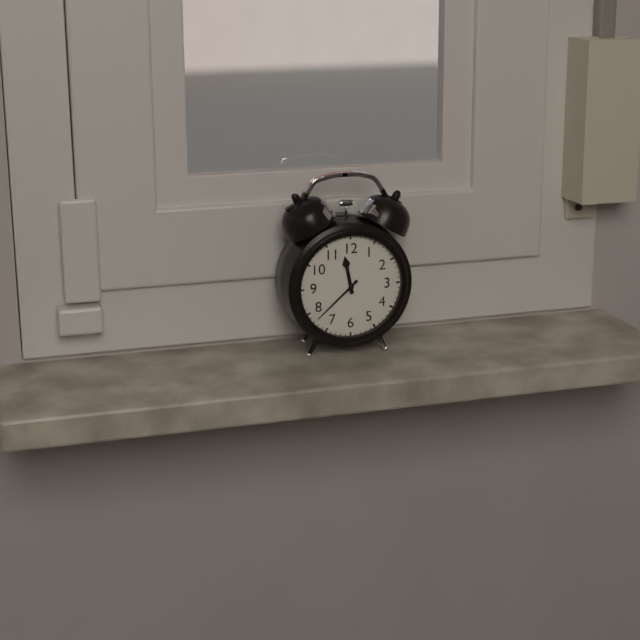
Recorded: {"hour": 11, "minute": 38}
